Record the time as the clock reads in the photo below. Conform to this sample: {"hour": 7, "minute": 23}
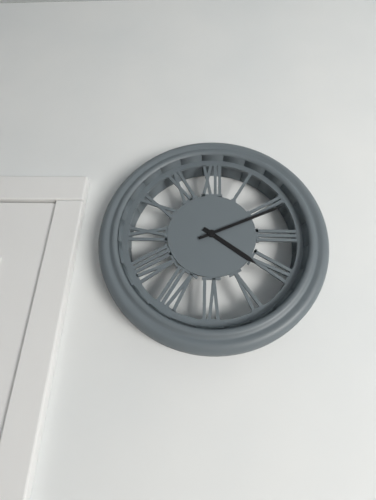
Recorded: {"hour": 4, "minute": 11}
